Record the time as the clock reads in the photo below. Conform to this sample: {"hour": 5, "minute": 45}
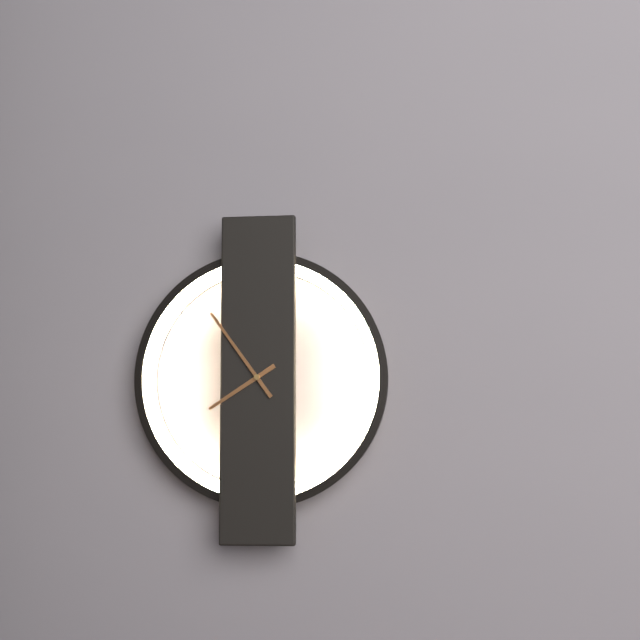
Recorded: {"hour": 7, "minute": 54}
